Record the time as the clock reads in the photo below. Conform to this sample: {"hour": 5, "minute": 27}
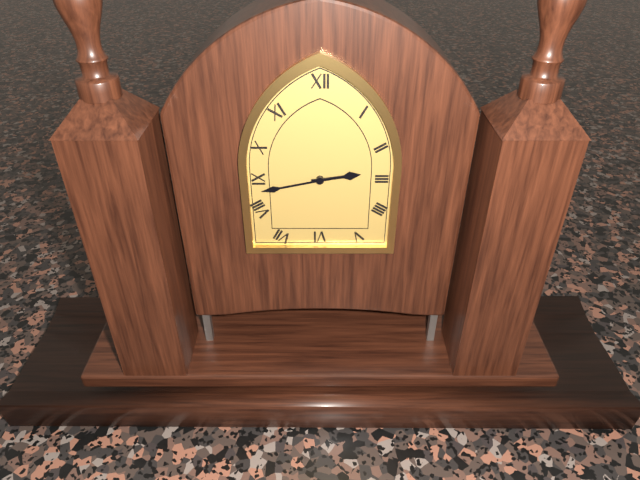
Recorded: {"hour": 2, "minute": 43}
